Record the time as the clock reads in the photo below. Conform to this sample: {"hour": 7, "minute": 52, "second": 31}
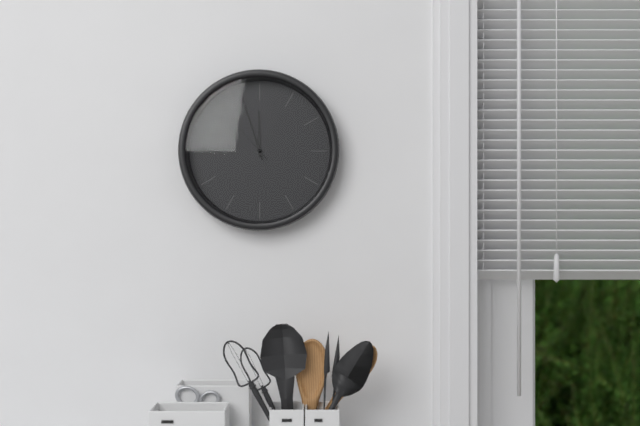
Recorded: {"hour": 11, "minute": 57, "second": 53}
